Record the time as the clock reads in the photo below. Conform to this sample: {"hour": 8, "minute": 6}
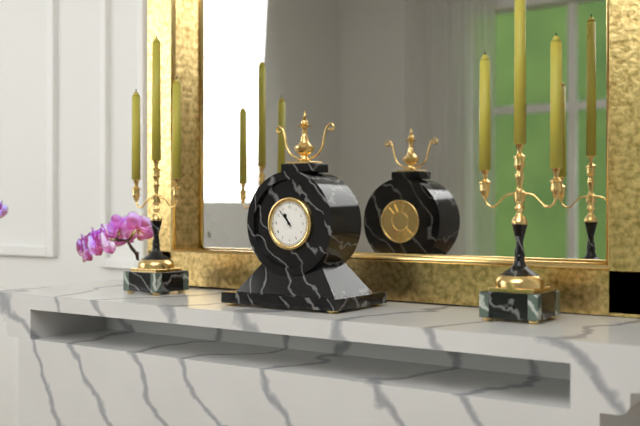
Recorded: {"hour": 10, "minute": 53}
